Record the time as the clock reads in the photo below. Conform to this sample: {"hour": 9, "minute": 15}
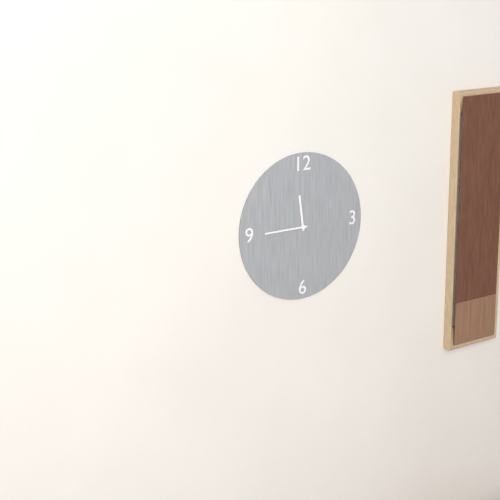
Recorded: {"hour": 11, "minute": 45}
